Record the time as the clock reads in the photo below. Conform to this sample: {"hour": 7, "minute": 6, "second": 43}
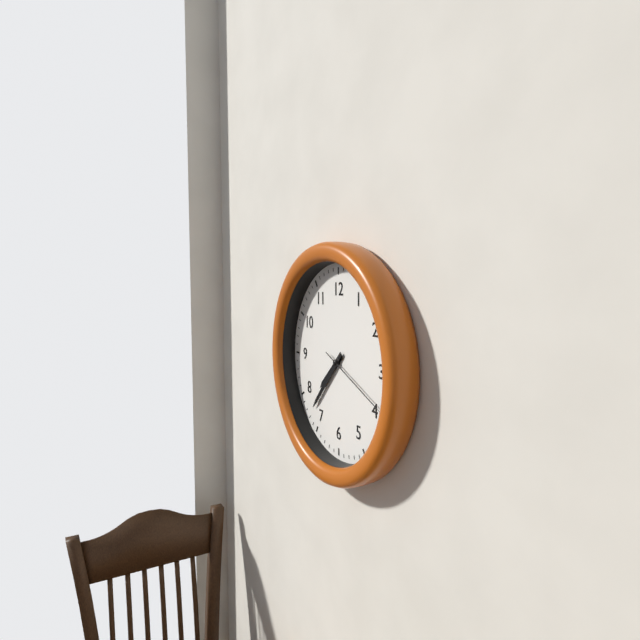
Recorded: {"hour": 7, "minute": 37, "second": 19}
